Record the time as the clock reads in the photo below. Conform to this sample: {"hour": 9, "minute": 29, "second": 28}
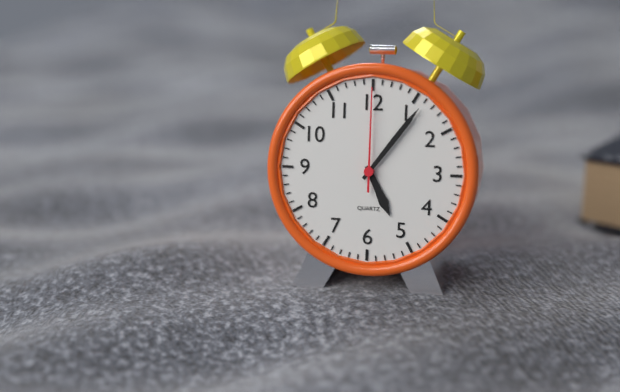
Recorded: {"hour": 5, "minute": 6, "second": 0}
